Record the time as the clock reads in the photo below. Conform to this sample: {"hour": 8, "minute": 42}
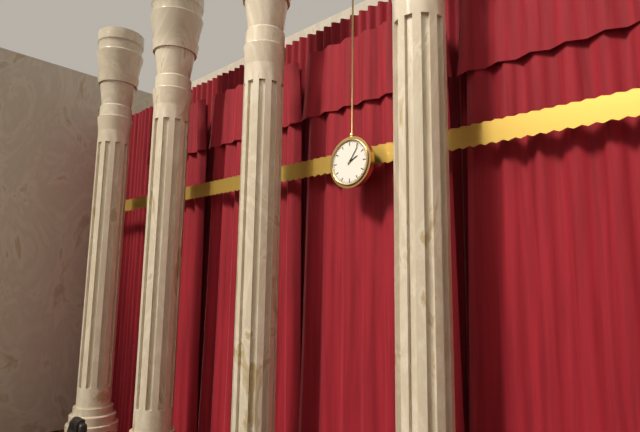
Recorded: {"hour": 2, "minute": 6}
